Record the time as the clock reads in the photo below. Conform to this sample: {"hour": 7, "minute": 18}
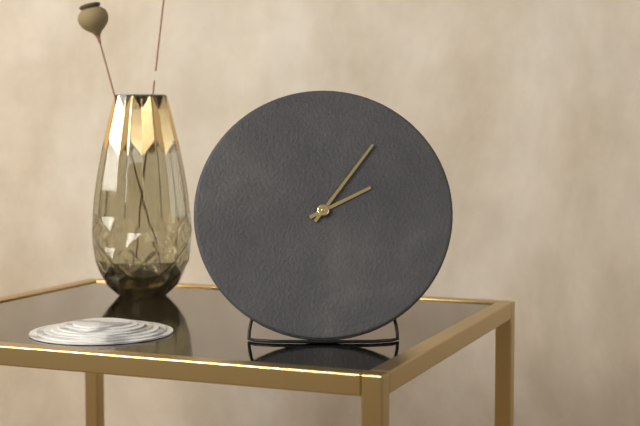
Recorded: {"hour": 2, "minute": 6}
